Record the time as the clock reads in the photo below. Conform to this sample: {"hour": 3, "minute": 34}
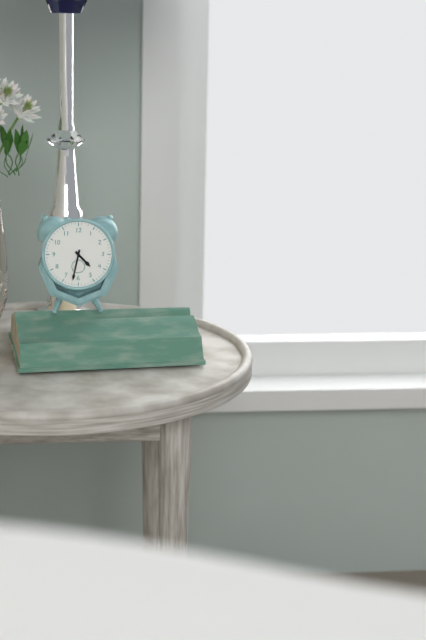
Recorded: {"hour": 4, "minute": 32}
